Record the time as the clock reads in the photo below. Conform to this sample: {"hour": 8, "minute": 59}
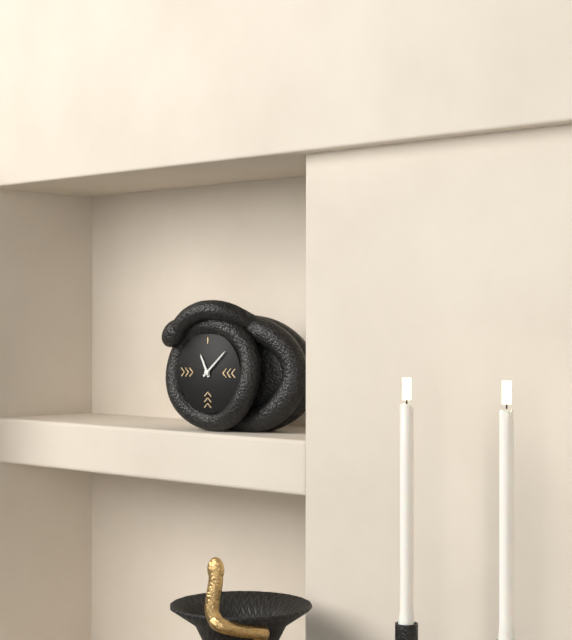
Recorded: {"hour": 11, "minute": 8}
